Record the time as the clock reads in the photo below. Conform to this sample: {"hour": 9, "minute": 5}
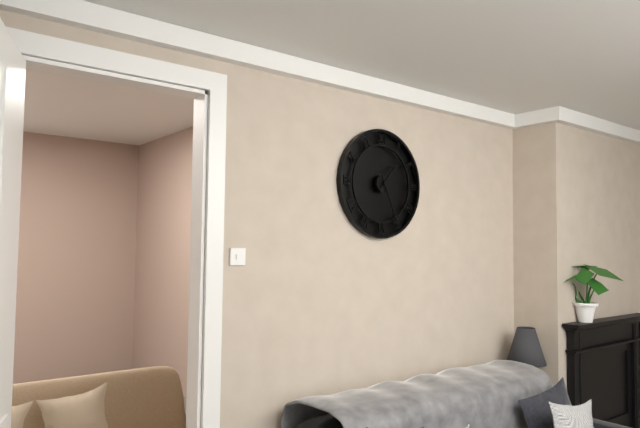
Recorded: {"hour": 1, "minute": 26}
